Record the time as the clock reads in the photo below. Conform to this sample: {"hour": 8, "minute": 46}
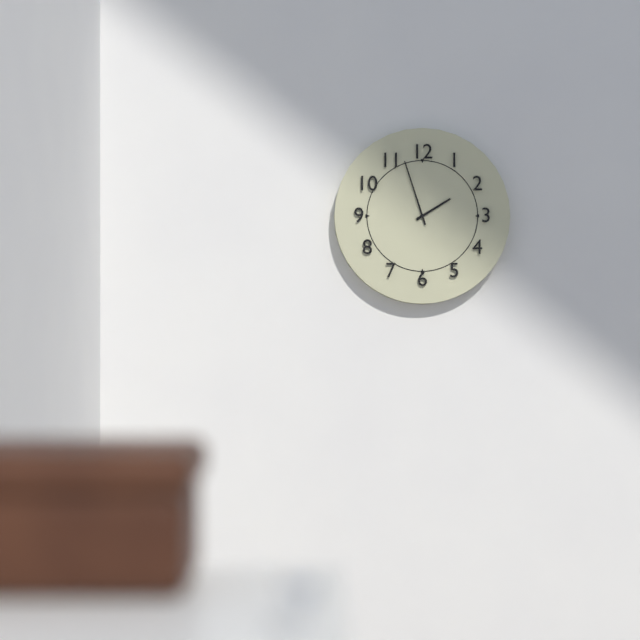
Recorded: {"hour": 1, "minute": 57}
